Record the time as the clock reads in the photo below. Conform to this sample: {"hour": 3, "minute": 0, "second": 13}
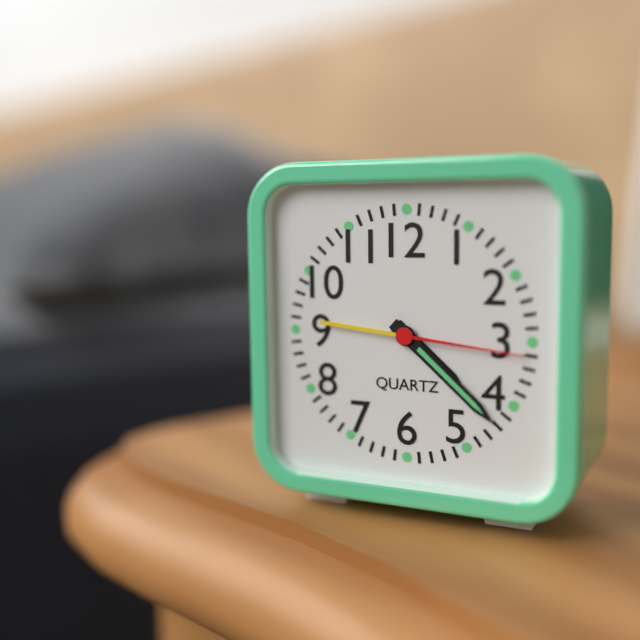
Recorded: {"hour": 4, "minute": 22, "second": 16}
